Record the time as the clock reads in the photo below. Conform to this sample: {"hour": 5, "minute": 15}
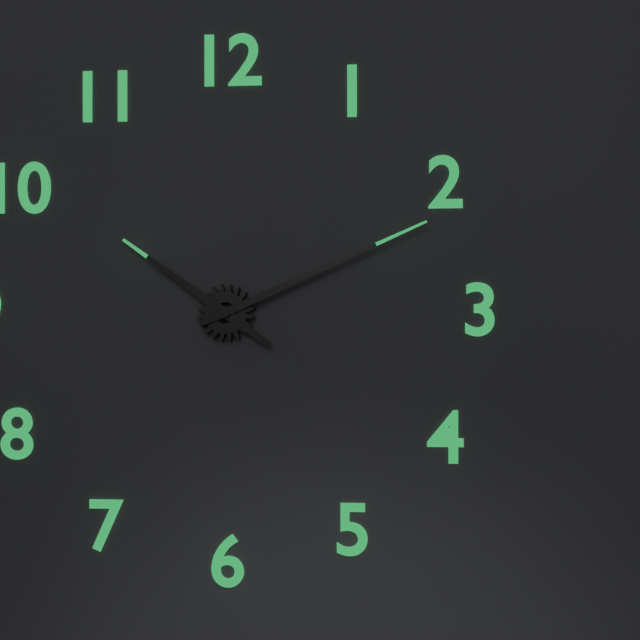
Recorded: {"hour": 10, "minute": 11}
